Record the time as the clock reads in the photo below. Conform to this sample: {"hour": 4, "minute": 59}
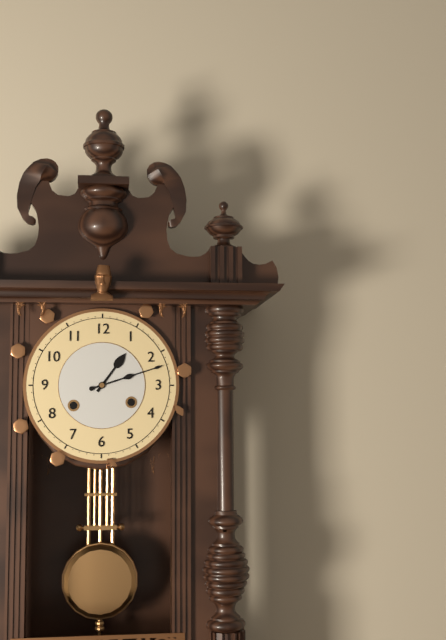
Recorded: {"hour": 1, "minute": 12}
